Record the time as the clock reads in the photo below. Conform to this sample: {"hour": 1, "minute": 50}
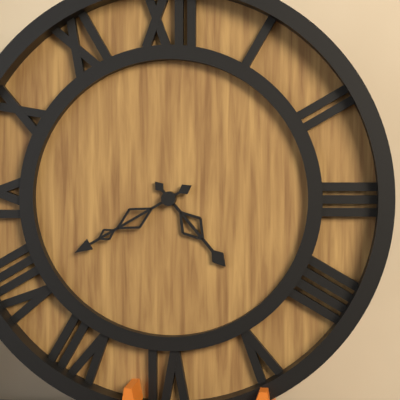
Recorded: {"hour": 4, "minute": 40}
